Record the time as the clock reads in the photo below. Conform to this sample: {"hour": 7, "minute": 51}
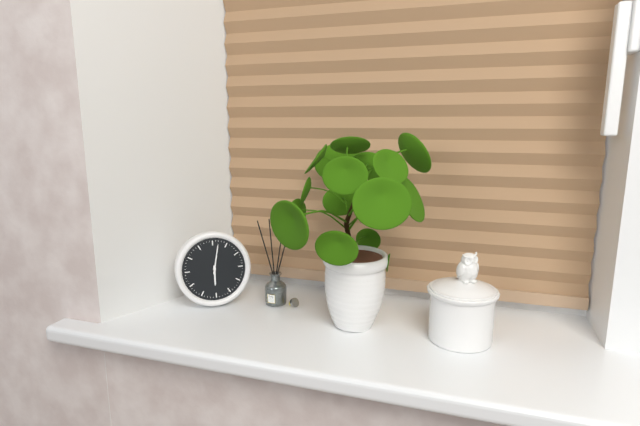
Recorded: {"hour": 6, "minute": 2}
